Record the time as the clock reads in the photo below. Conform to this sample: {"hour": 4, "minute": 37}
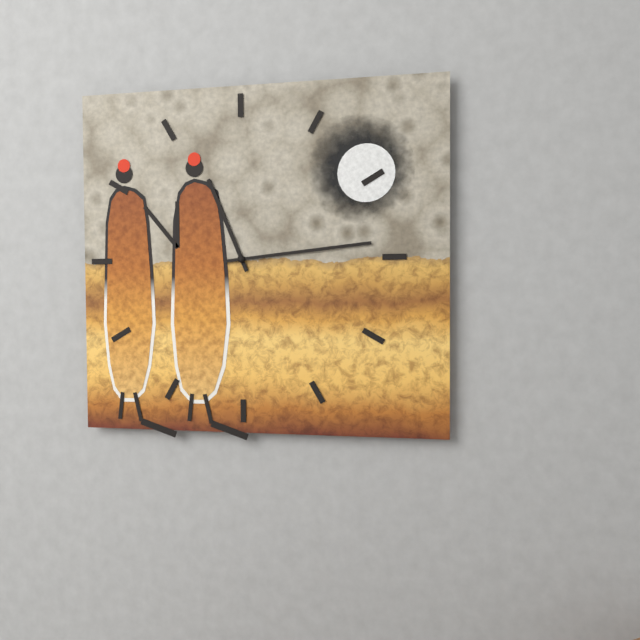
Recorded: {"hour": 11, "minute": 14}
